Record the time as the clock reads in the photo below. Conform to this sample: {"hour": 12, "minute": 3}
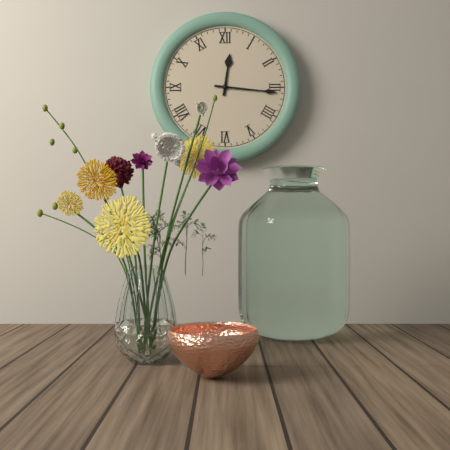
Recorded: {"hour": 12, "minute": 16}
